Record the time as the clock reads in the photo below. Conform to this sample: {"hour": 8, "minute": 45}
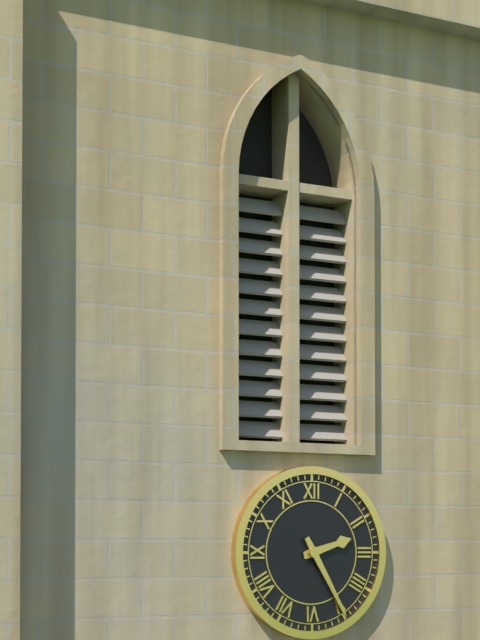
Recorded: {"hour": 2, "minute": 25}
